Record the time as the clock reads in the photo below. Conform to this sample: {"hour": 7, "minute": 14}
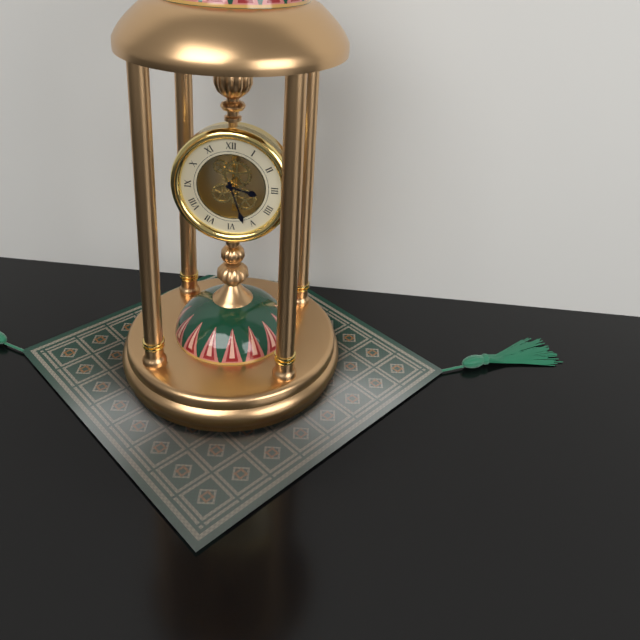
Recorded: {"hour": 3, "minute": 27}
